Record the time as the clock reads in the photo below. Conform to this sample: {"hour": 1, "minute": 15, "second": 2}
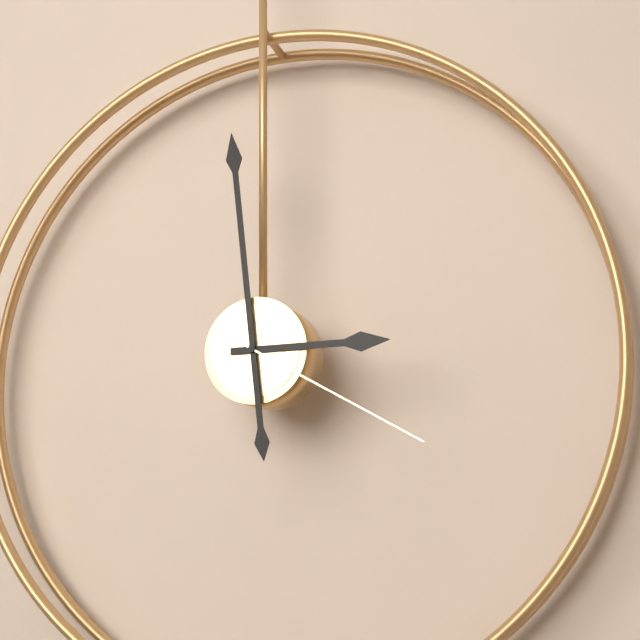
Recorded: {"hour": 2, "minute": 59, "second": 20}
